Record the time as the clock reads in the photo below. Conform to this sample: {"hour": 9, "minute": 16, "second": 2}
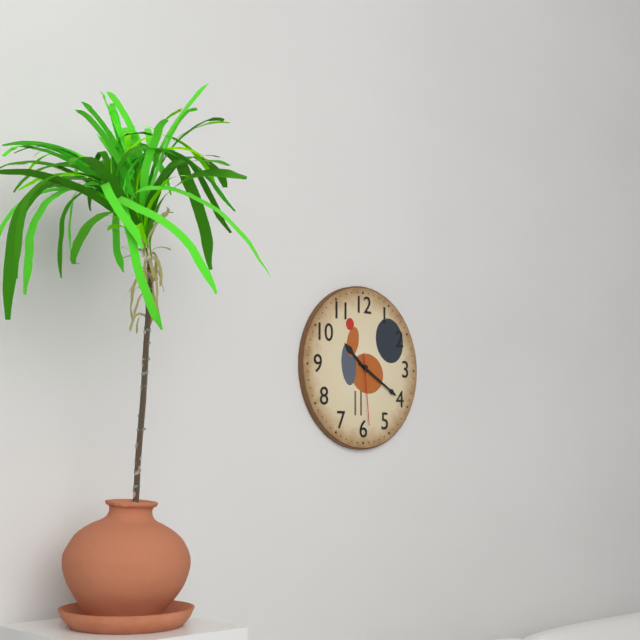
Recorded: {"hour": 10, "minute": 20, "second": 29}
